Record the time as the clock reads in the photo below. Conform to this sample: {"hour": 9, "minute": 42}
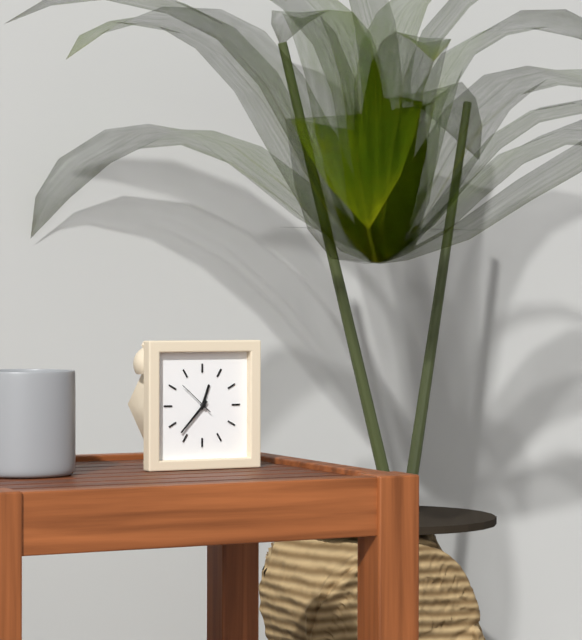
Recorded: {"hour": 12, "minute": 37}
